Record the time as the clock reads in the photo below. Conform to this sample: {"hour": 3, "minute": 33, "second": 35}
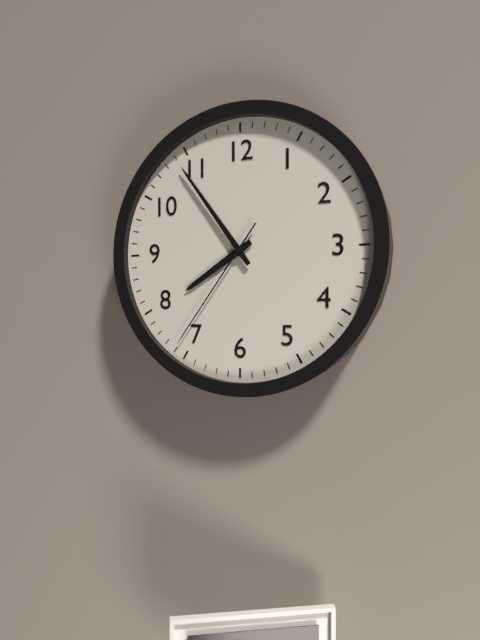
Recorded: {"hour": 7, "minute": 54, "second": 36}
